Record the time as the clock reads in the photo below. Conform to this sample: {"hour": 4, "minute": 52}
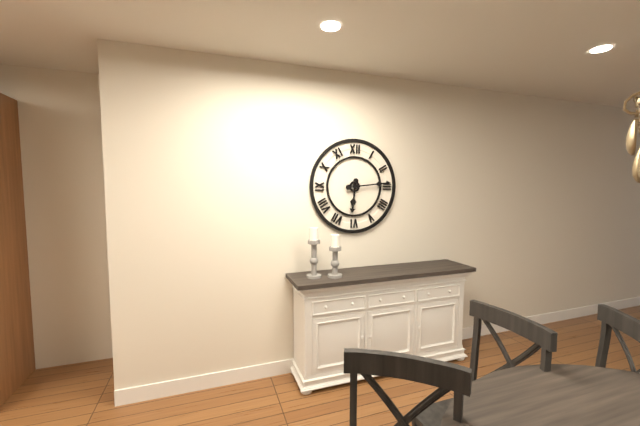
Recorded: {"hour": 6, "minute": 14}
